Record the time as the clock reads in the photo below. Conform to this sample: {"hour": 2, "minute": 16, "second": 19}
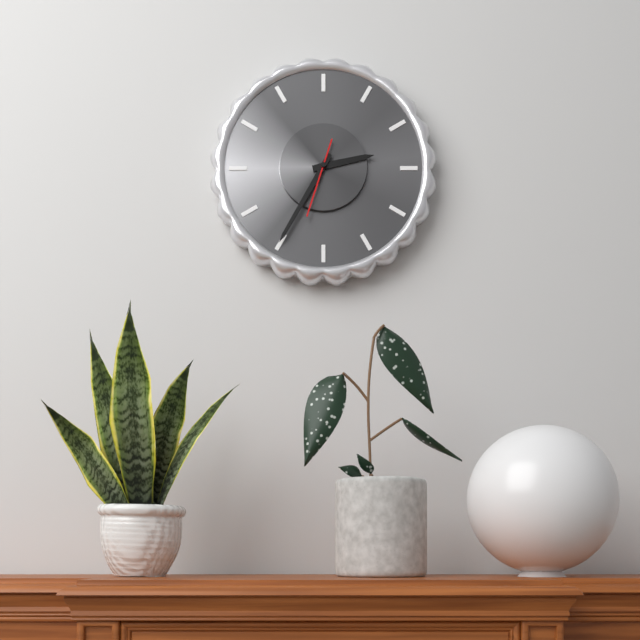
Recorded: {"hour": 2, "minute": 35, "second": 33}
